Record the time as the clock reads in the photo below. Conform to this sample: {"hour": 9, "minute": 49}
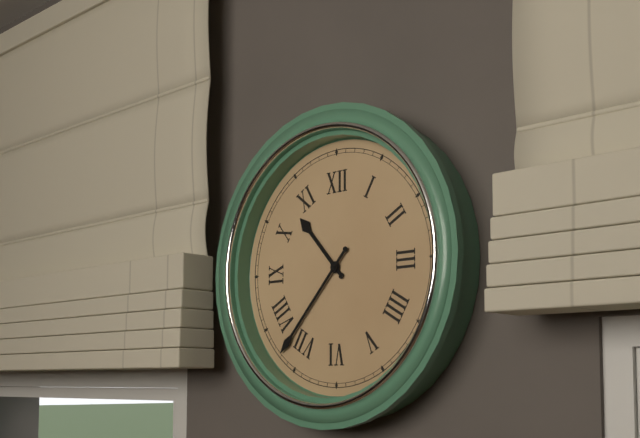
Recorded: {"hour": 10, "minute": 37}
